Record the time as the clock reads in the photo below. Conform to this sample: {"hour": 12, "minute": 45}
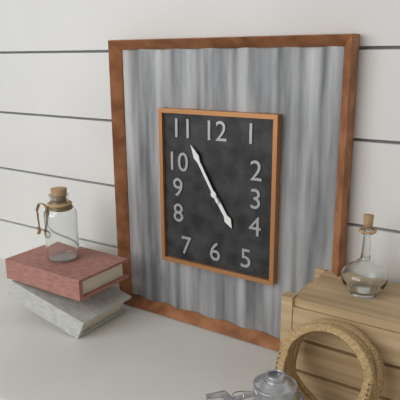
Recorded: {"hour": 4, "minute": 55}
